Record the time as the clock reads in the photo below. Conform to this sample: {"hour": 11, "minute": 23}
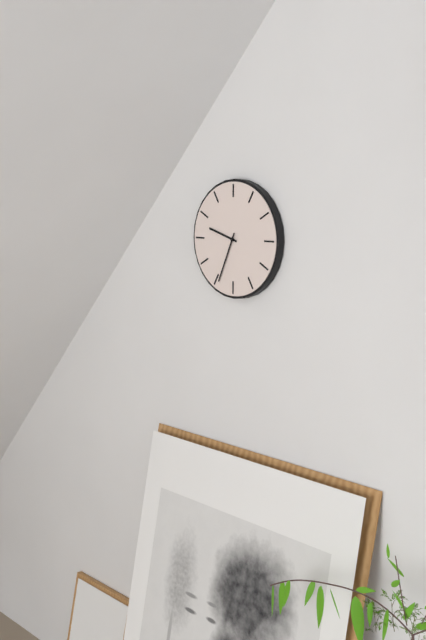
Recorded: {"hour": 9, "minute": 34}
